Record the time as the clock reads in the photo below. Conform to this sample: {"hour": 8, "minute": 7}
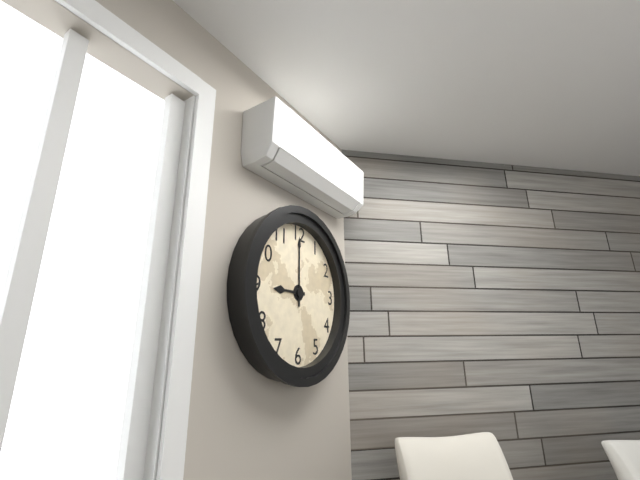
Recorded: {"hour": 9, "minute": 0}
